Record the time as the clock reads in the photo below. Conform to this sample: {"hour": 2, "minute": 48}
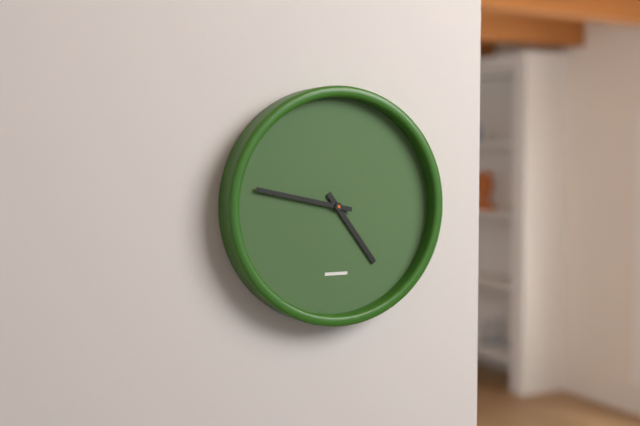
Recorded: {"hour": 4, "minute": 47}
